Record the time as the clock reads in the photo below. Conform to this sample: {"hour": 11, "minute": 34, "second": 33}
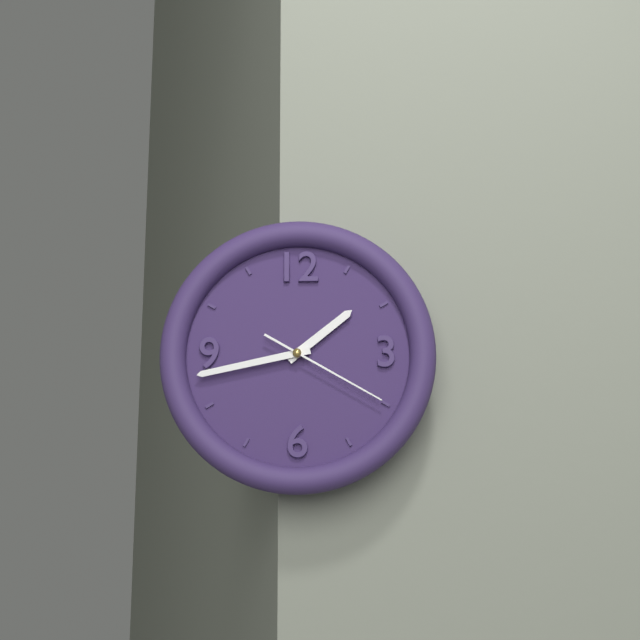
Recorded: {"hour": 1, "minute": 43, "second": 20}
